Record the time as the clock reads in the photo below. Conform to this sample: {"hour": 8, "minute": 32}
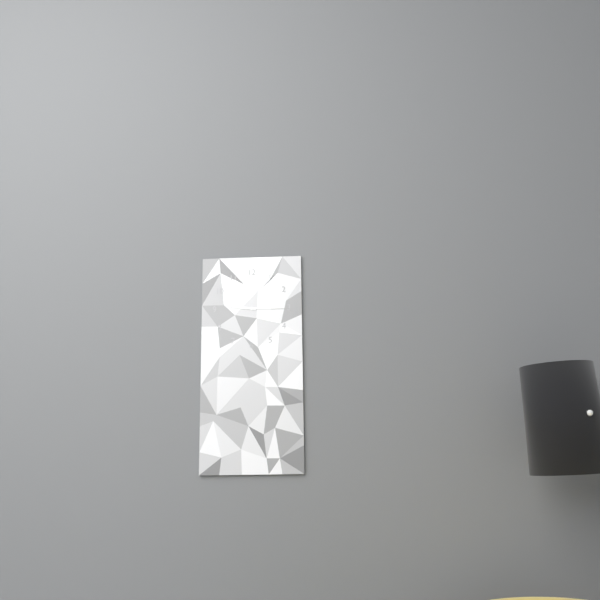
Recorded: {"hour": 9, "minute": 15}
